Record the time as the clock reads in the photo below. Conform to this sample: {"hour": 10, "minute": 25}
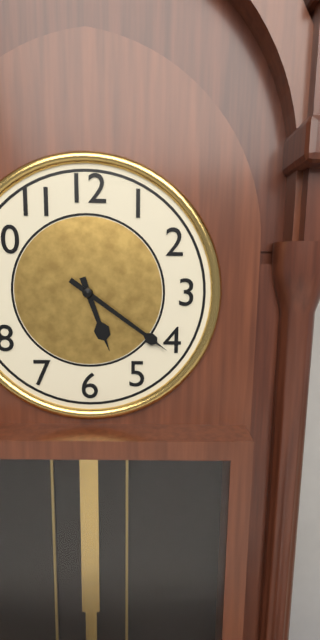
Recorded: {"hour": 5, "minute": 21}
